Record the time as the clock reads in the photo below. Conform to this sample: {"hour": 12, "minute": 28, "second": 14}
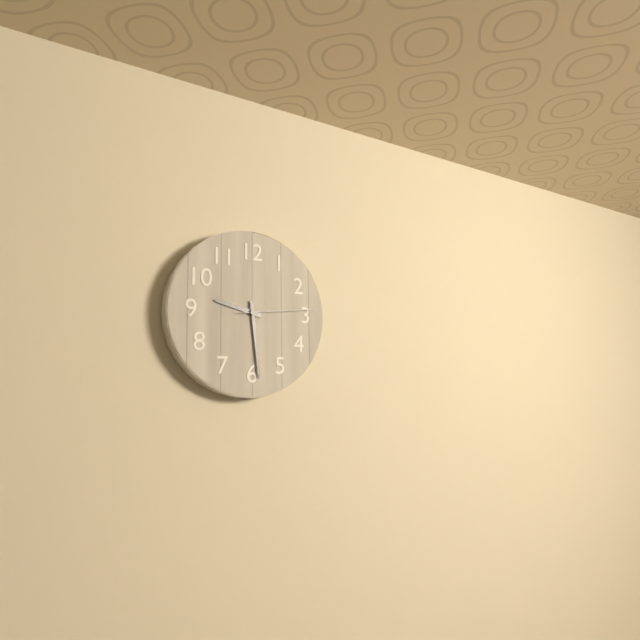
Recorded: {"hour": 9, "minute": 29, "second": 14}
